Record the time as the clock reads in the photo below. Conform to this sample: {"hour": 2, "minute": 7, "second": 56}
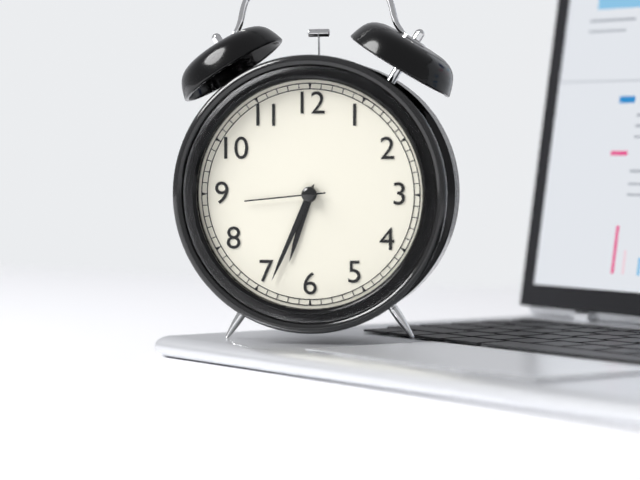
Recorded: {"hour": 6, "minute": 34, "second": 44}
